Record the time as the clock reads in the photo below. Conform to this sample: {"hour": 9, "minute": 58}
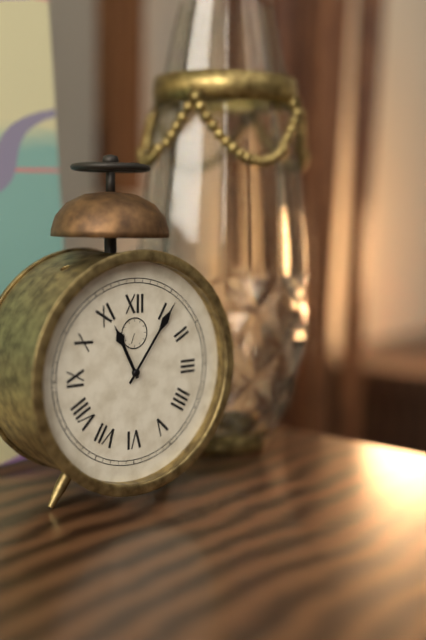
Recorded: {"hour": 11, "minute": 6}
